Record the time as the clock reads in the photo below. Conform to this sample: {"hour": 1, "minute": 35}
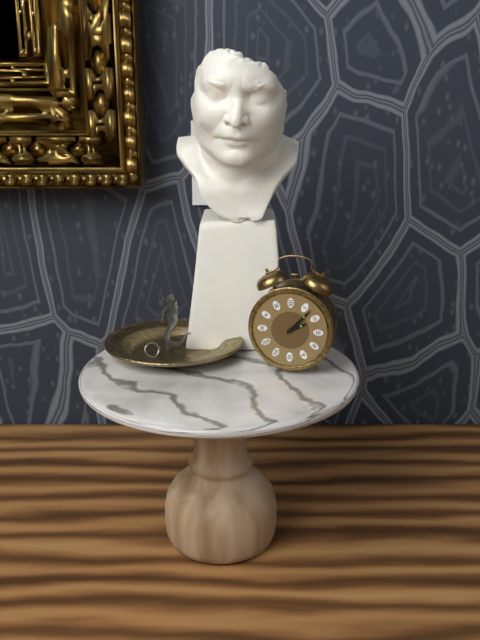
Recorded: {"hour": 2, "minute": 7}
